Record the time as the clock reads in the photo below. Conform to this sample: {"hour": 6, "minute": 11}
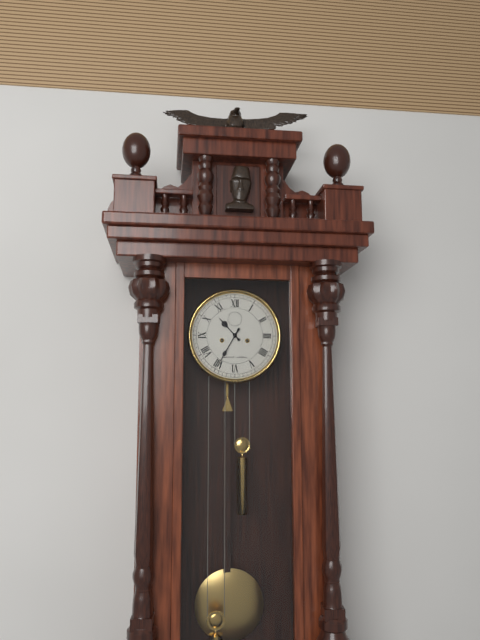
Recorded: {"hour": 10, "minute": 35}
